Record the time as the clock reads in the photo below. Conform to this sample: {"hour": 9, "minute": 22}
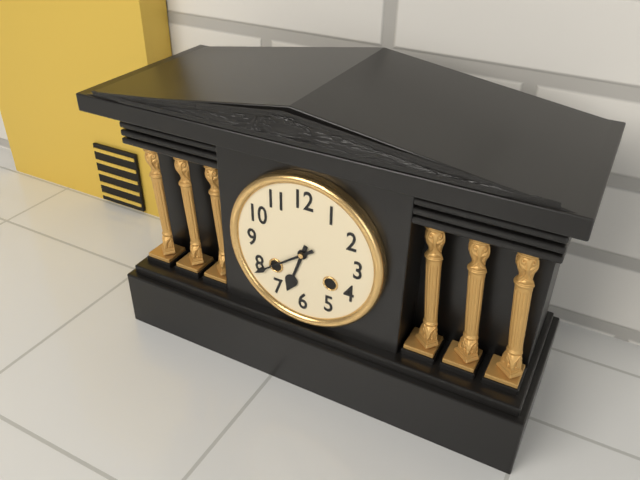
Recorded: {"hour": 6, "minute": 39}
